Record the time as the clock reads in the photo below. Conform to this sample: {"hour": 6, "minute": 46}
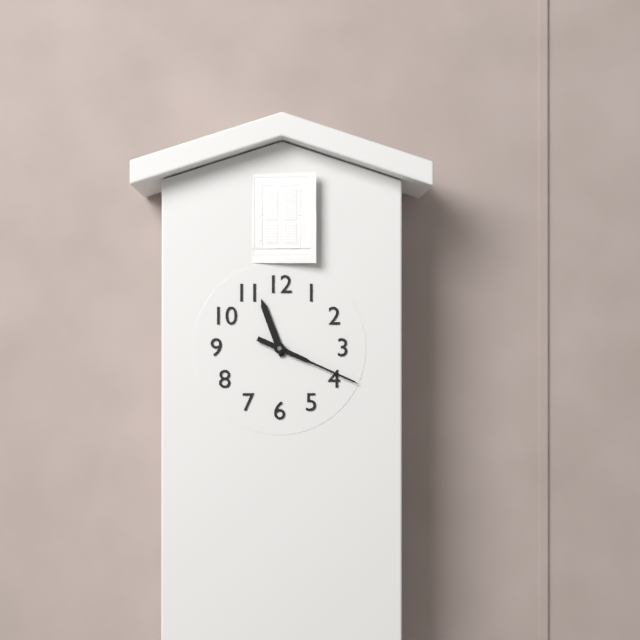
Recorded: {"hour": 11, "minute": 19}
